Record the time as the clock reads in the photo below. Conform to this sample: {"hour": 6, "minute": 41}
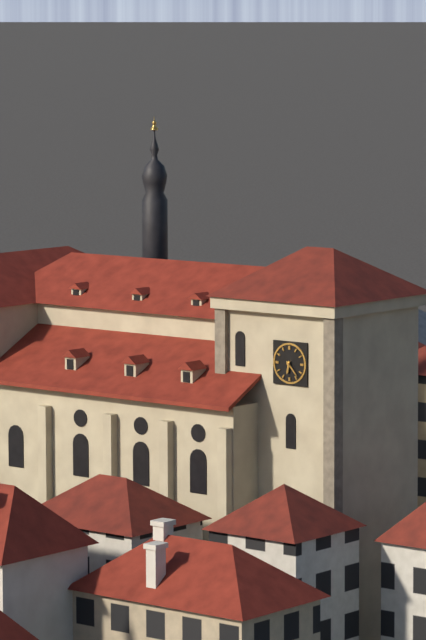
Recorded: {"hour": 6, "minute": 23}
